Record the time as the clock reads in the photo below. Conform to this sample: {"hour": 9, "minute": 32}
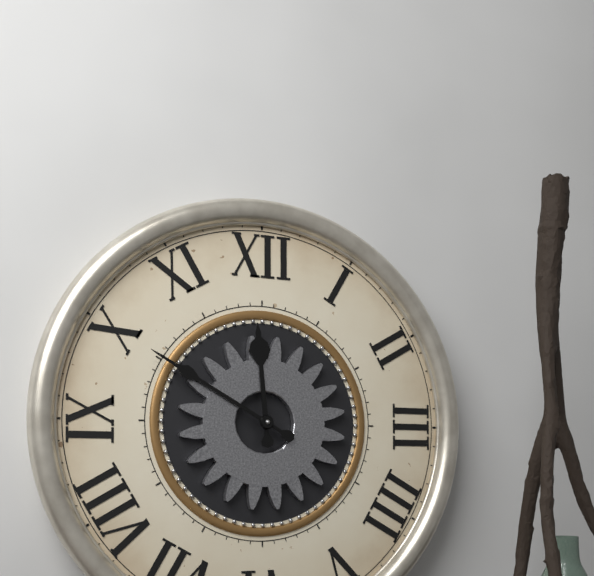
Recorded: {"hour": 11, "minute": 50}
